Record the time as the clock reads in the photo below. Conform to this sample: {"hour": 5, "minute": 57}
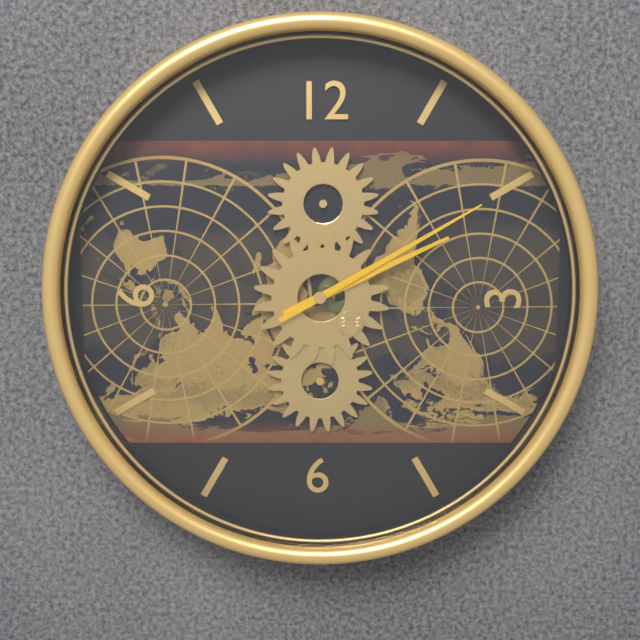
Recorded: {"hour": 2, "minute": 10}
